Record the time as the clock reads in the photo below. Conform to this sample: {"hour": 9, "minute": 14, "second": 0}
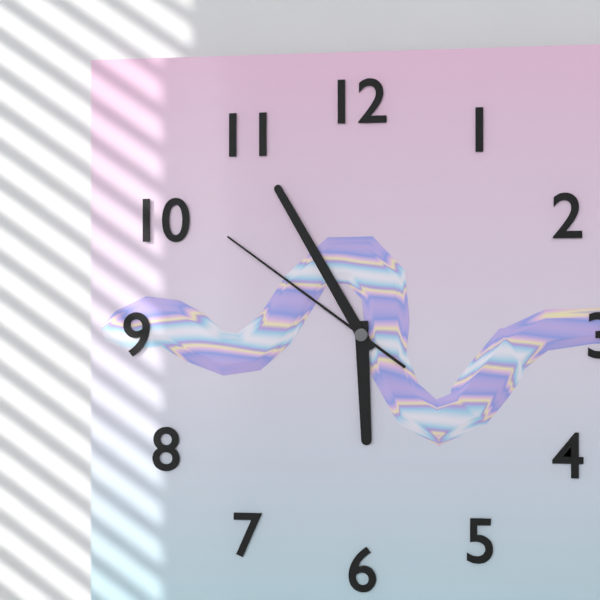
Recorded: {"hour": 5, "minute": 55, "second": 51}
